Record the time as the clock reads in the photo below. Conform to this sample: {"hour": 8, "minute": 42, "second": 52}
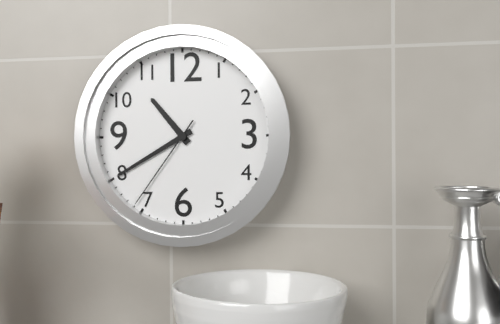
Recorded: {"hour": 10, "minute": 40, "second": 36}
